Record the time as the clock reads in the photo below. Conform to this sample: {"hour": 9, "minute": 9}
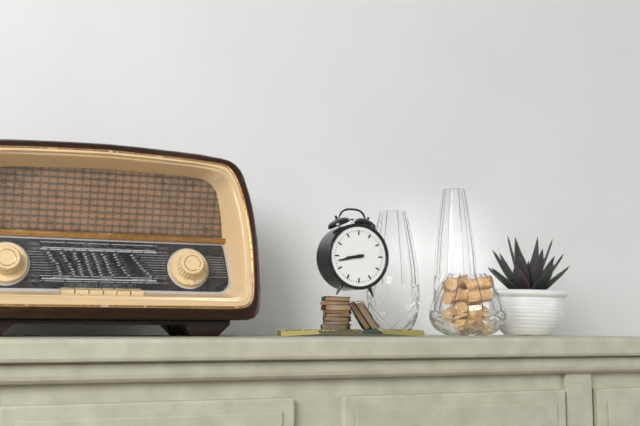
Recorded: {"hour": 8, "minute": 43}
